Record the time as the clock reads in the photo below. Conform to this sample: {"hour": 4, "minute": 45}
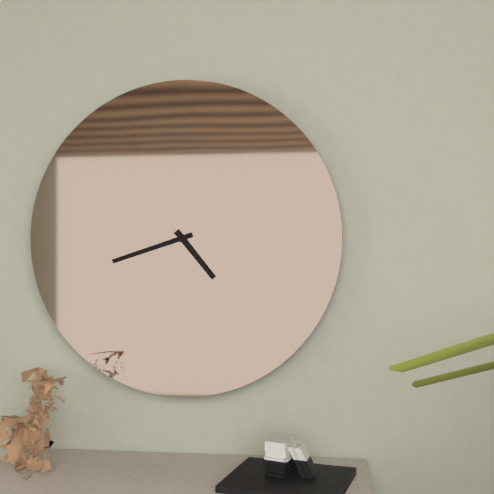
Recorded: {"hour": 4, "minute": 42}
